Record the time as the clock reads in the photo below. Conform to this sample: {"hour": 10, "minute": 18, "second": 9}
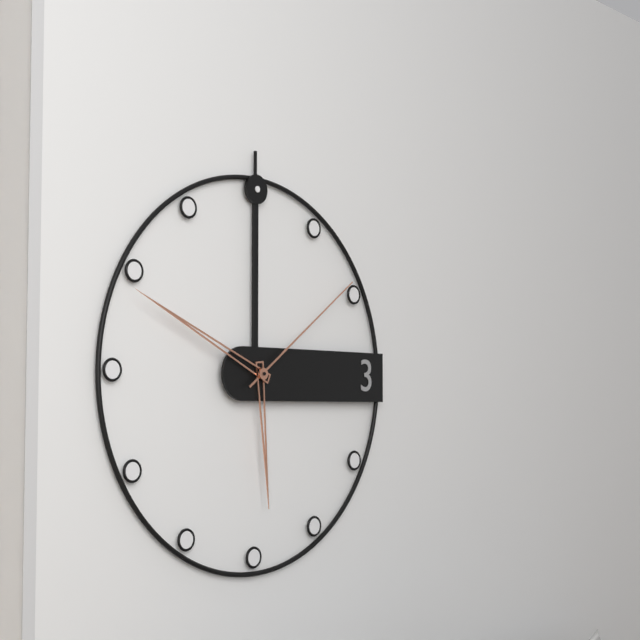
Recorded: {"hour": 5, "minute": 49, "second": 9}
